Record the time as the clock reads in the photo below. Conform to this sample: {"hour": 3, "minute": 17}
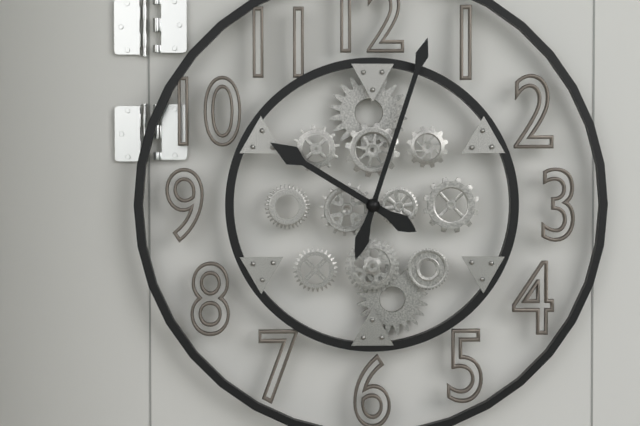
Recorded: {"hour": 10, "minute": 3}
